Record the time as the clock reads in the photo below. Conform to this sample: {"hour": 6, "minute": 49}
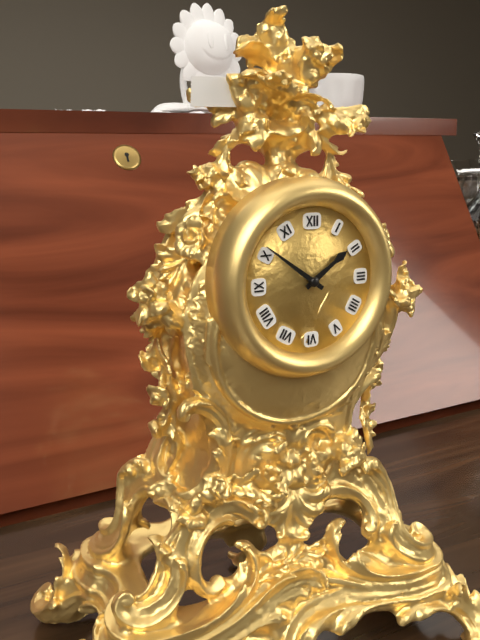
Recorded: {"hour": 1, "minute": 51}
